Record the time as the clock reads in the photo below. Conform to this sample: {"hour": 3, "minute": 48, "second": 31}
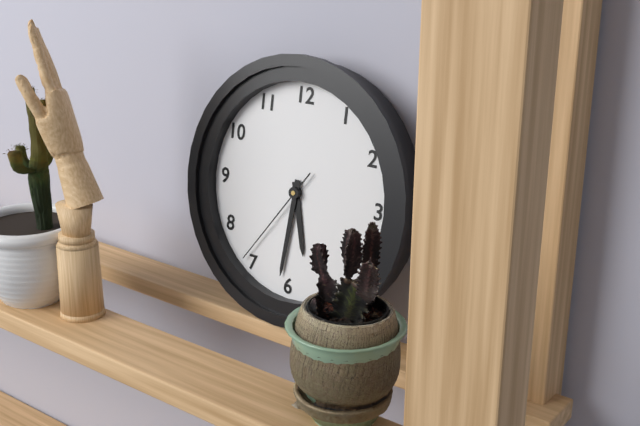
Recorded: {"hour": 5, "minute": 31, "second": 36}
